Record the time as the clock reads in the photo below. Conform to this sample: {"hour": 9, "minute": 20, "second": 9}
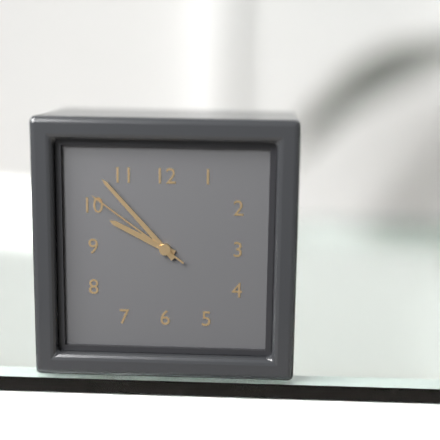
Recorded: {"hour": 9, "minute": 53, "second": 51}
